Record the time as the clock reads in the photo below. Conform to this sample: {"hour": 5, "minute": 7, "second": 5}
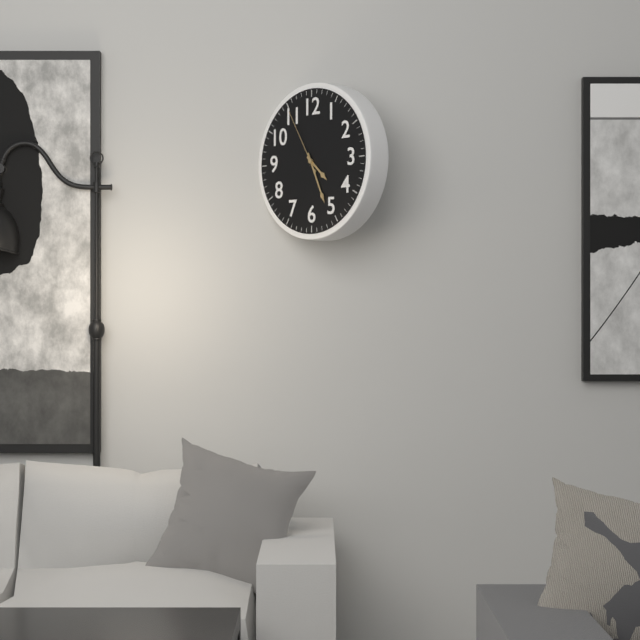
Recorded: {"hour": 4, "minute": 26, "second": 55}
